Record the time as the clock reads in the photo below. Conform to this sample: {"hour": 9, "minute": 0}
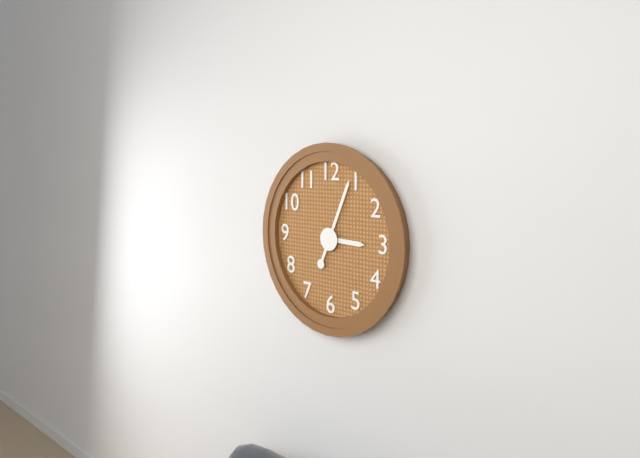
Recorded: {"hour": 3, "minute": 4}
